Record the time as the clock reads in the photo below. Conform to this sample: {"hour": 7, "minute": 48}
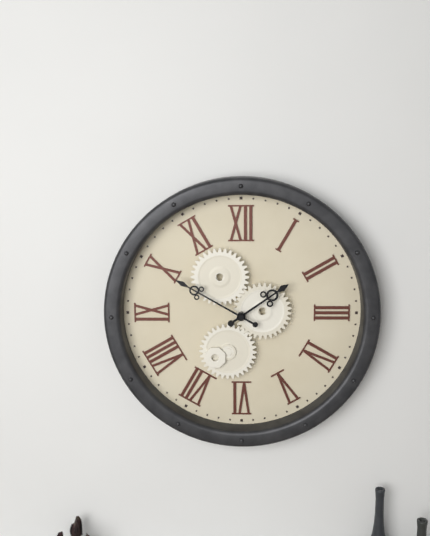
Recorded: {"hour": 1, "minute": 50}
